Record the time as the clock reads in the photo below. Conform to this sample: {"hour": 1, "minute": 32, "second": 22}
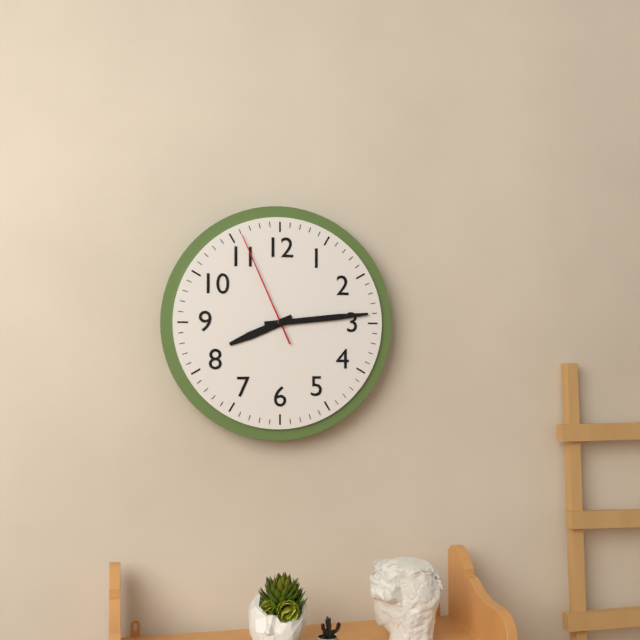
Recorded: {"hour": 8, "minute": 14, "second": 56}
